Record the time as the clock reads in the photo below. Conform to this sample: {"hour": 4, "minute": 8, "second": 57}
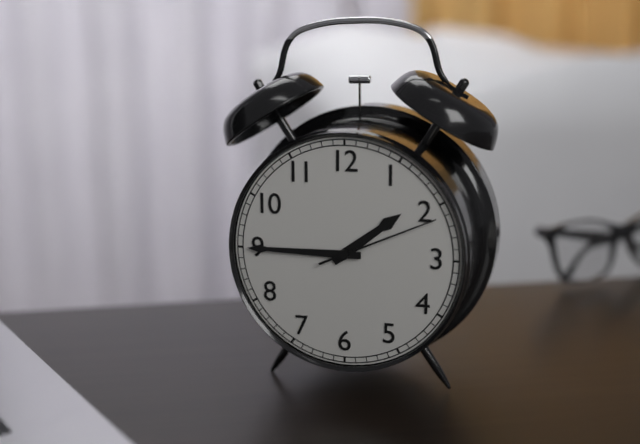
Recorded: {"hour": 1, "minute": 45, "second": 11}
